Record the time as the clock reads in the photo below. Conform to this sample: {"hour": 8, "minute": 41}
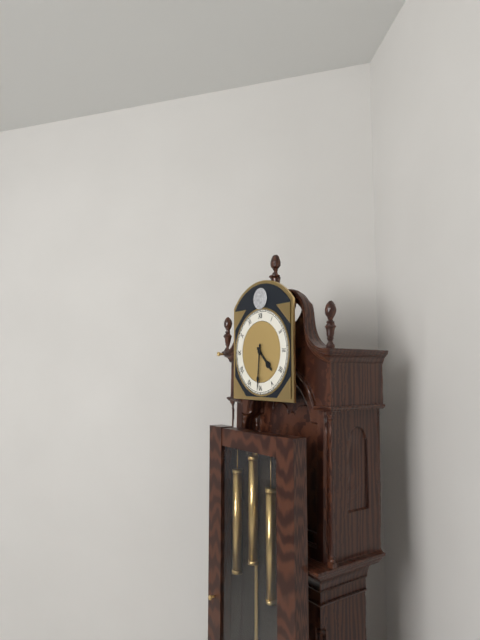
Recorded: {"hour": 4, "minute": 31}
